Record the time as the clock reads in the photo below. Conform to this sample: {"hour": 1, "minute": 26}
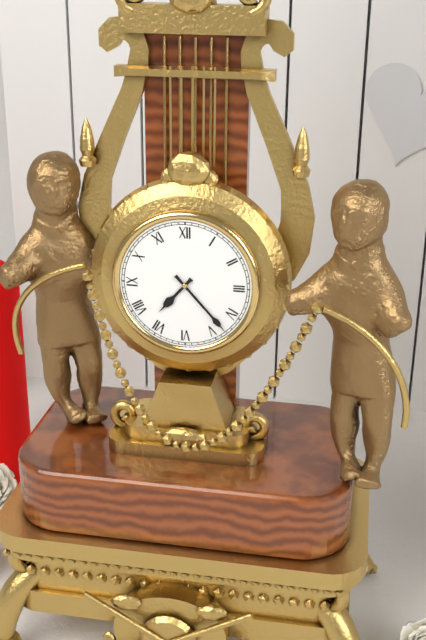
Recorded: {"hour": 7, "minute": 23}
